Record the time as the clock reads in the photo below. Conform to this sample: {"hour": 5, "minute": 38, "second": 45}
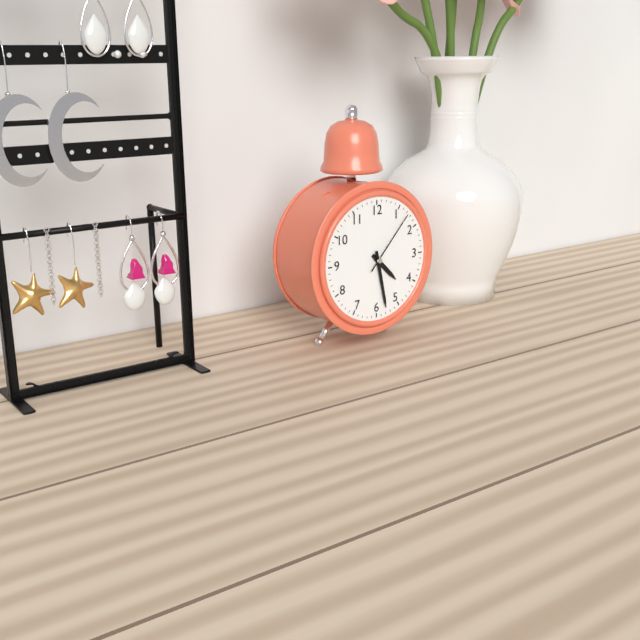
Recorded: {"hour": 4, "minute": 28, "second": 7}
